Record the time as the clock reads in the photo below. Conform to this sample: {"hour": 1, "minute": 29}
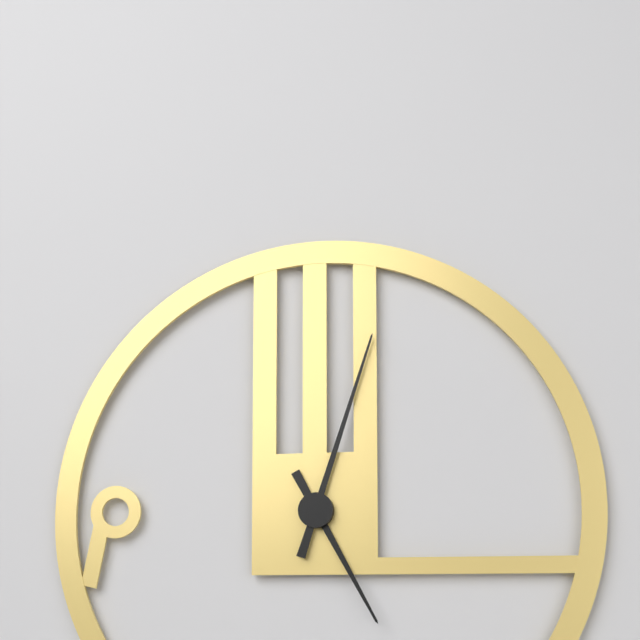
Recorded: {"hour": 5, "minute": 3}
